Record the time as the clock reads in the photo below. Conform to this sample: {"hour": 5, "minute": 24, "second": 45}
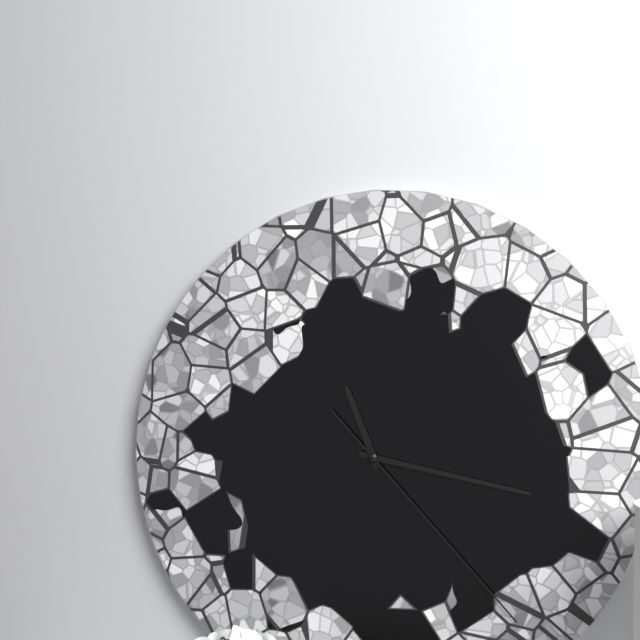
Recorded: {"hour": 11, "minute": 17, "second": 23}
